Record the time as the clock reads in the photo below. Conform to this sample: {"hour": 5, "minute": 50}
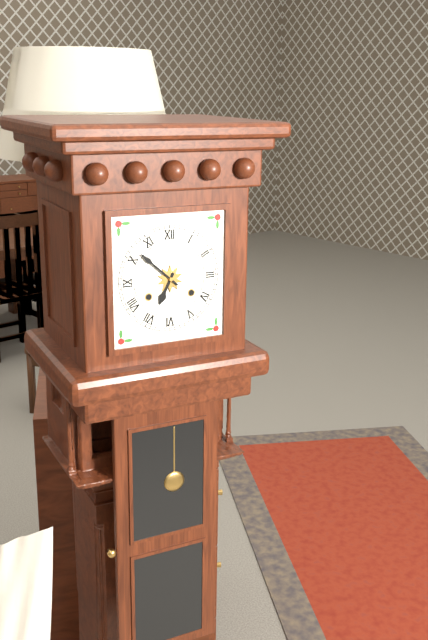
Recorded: {"hour": 6, "minute": 52}
